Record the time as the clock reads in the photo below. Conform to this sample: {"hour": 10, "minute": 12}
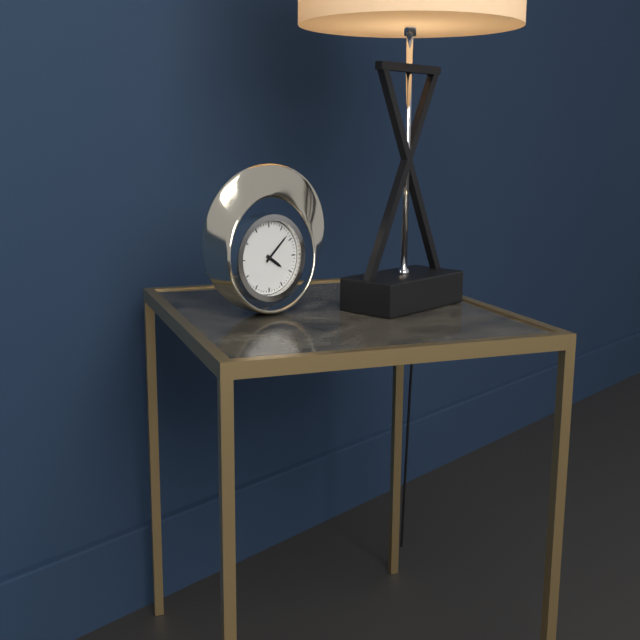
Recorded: {"hour": 4, "minute": 8}
